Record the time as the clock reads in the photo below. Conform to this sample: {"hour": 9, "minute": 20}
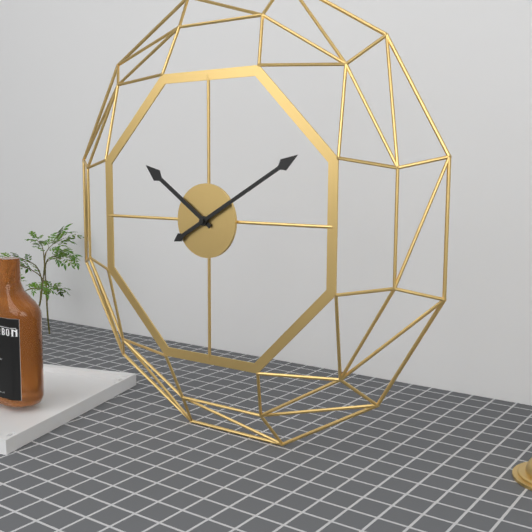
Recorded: {"hour": 10, "minute": 10}
